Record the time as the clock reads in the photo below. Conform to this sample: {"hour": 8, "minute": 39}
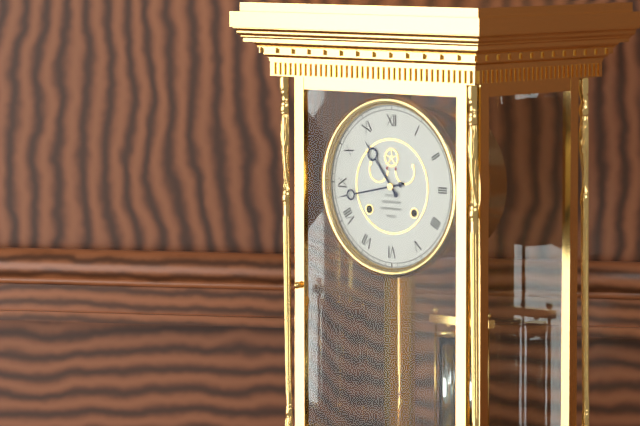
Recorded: {"hour": 10, "minute": 43}
